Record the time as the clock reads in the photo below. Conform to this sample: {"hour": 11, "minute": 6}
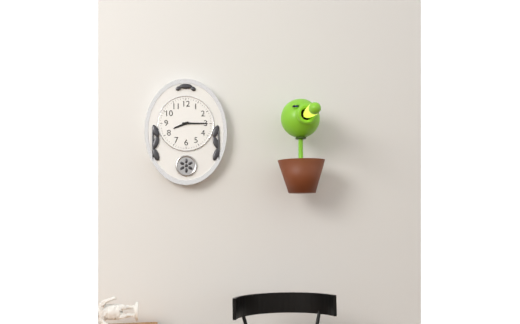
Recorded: {"hour": 8, "minute": 15}
